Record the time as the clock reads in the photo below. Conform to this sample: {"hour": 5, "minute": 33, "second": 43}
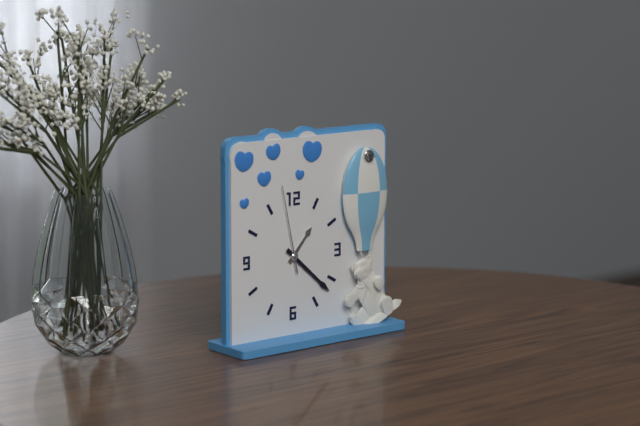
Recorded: {"hour": 1, "minute": 22, "second": 58}
